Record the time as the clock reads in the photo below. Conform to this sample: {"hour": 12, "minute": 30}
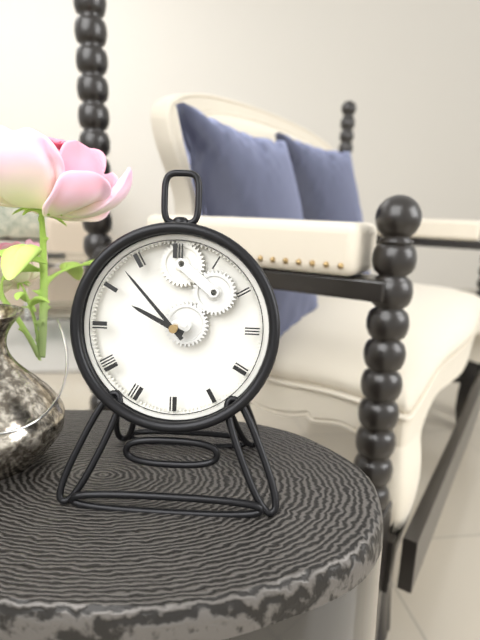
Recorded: {"hour": 9, "minute": 53}
